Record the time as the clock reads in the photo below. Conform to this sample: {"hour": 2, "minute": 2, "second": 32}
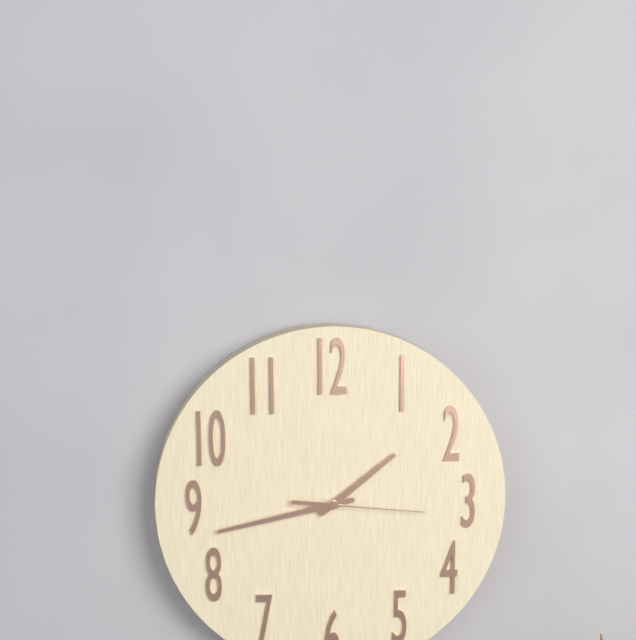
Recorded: {"hour": 1, "minute": 43, "second": 16}
